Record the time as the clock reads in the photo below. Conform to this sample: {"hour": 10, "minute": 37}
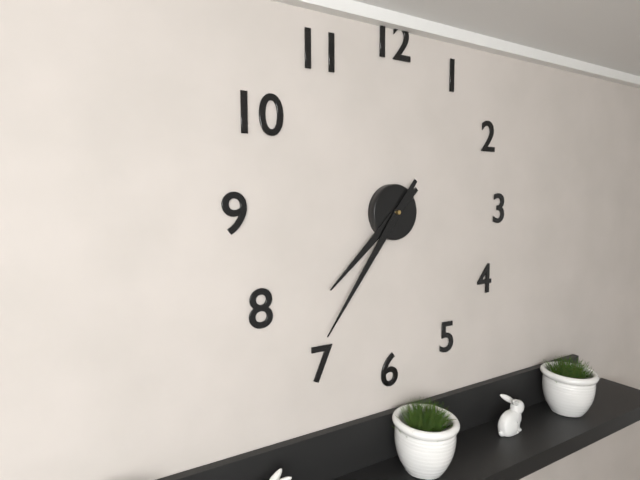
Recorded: {"hour": 7, "minute": 36}
